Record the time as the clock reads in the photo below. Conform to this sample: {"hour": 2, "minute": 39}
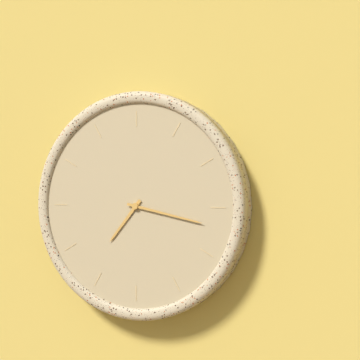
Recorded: {"hour": 7, "minute": 17}
